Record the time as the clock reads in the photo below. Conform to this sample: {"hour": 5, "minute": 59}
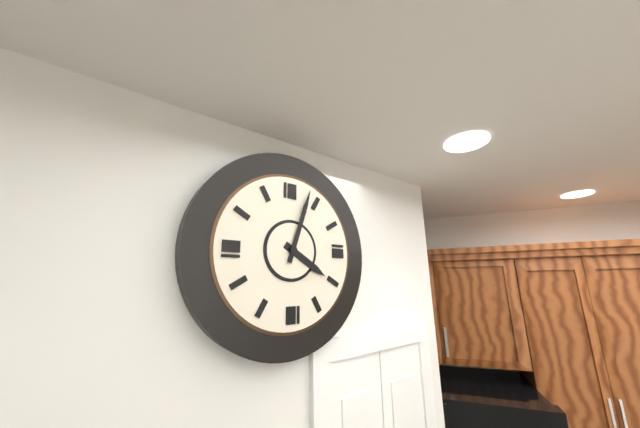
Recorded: {"hour": 4, "minute": 3}
